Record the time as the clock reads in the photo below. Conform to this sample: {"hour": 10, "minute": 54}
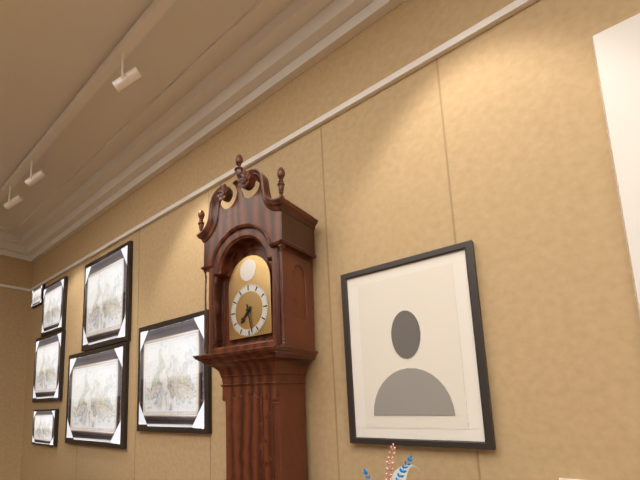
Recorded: {"hour": 7, "minute": 28}
